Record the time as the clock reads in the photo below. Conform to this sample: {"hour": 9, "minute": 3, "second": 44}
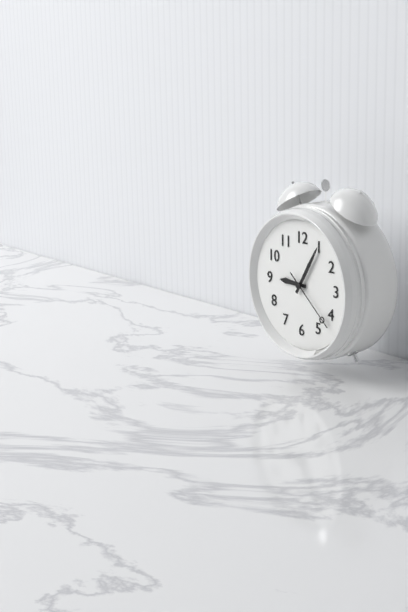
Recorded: {"hour": 9, "minute": 5, "second": 22}
